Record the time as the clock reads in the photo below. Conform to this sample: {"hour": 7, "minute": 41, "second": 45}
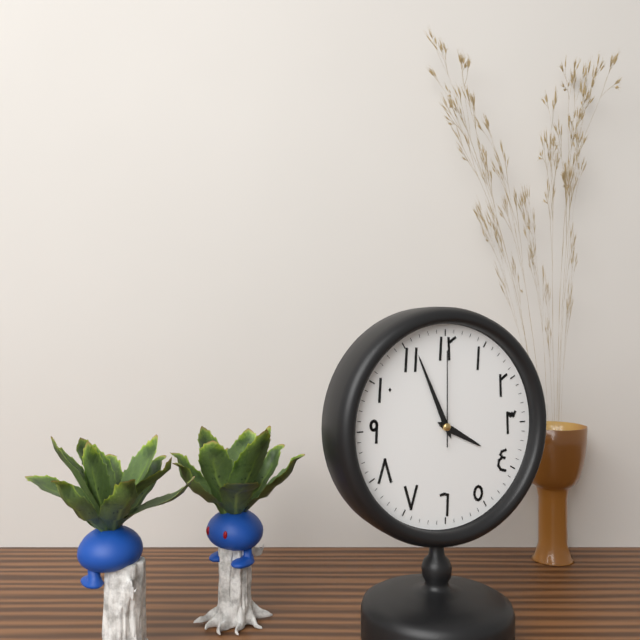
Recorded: {"hour": 3, "minute": 56, "second": 0}
